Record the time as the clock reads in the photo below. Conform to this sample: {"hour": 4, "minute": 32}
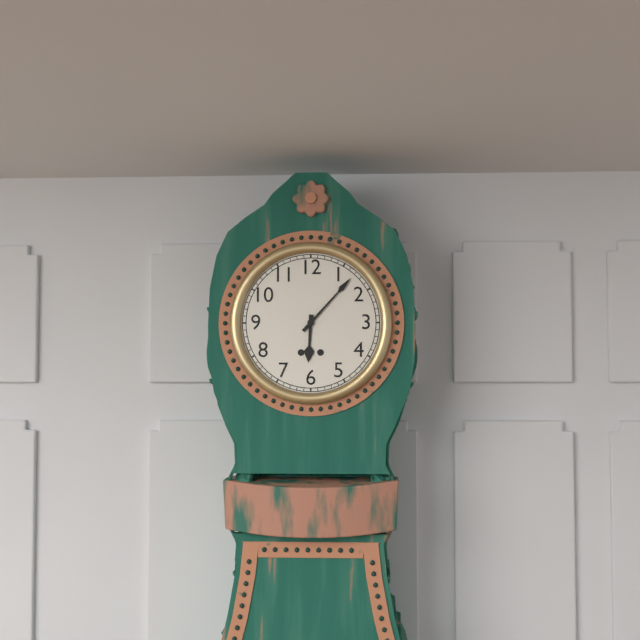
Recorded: {"hour": 6, "minute": 7}
